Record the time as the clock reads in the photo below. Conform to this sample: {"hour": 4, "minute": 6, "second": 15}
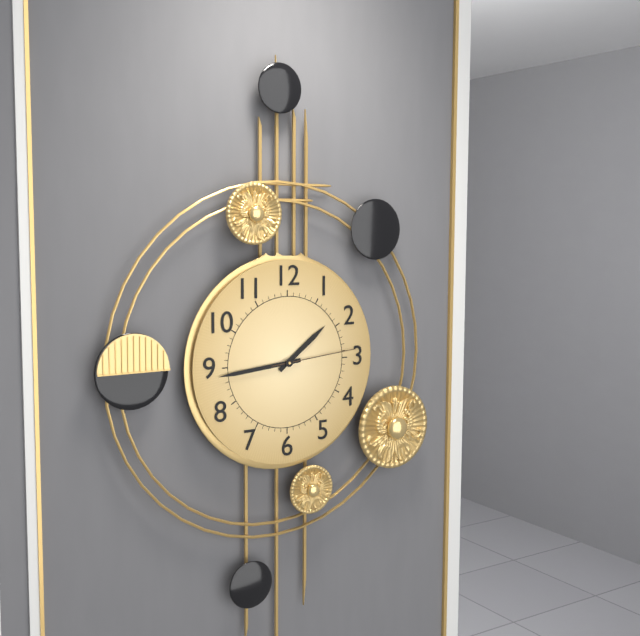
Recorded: {"hour": 1, "minute": 44, "second": 14}
